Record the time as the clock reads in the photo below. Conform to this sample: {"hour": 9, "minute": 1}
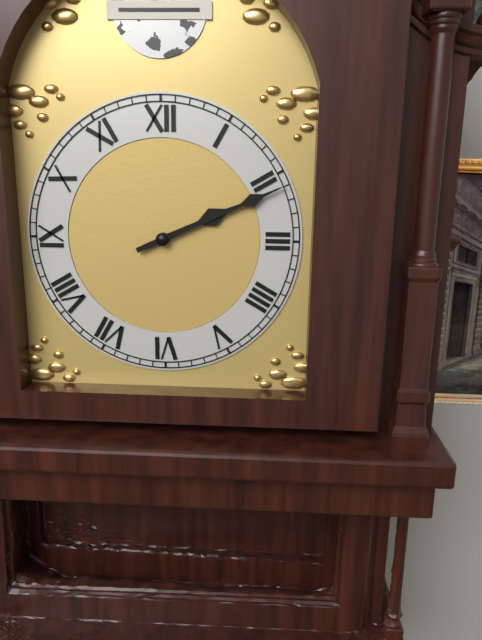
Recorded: {"hour": 2, "minute": 11}
